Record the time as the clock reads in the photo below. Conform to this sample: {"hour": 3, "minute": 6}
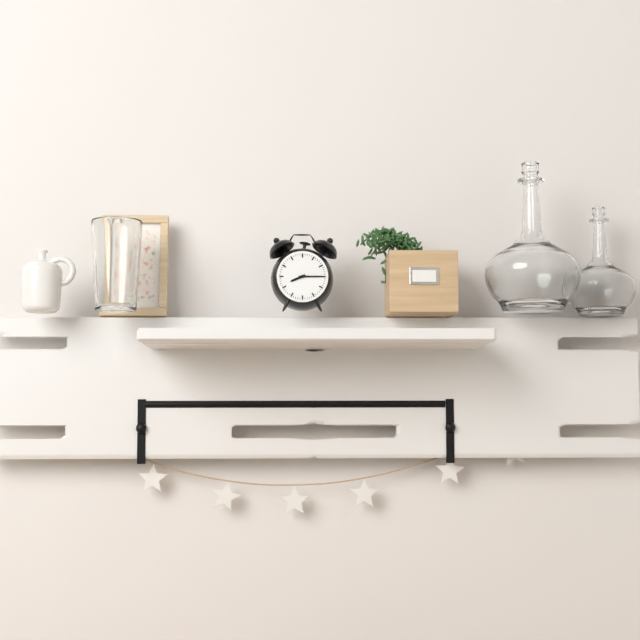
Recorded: {"hour": 8, "minute": 15}
